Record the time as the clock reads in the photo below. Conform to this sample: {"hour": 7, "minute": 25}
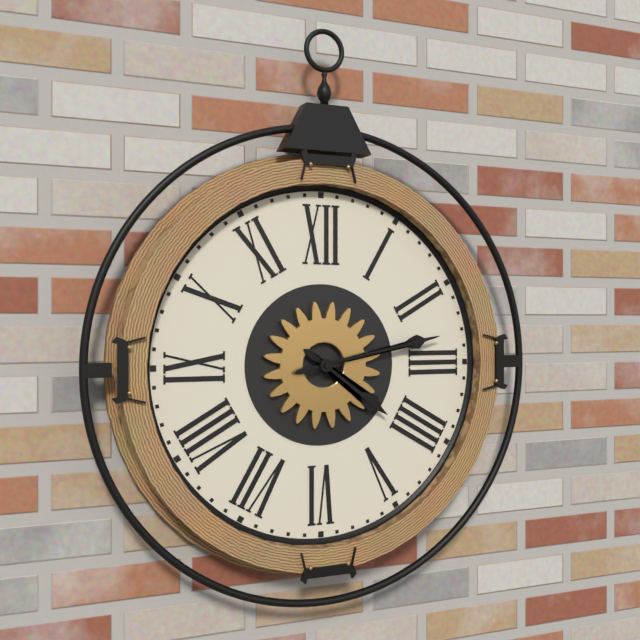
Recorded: {"hour": 4, "minute": 13}
